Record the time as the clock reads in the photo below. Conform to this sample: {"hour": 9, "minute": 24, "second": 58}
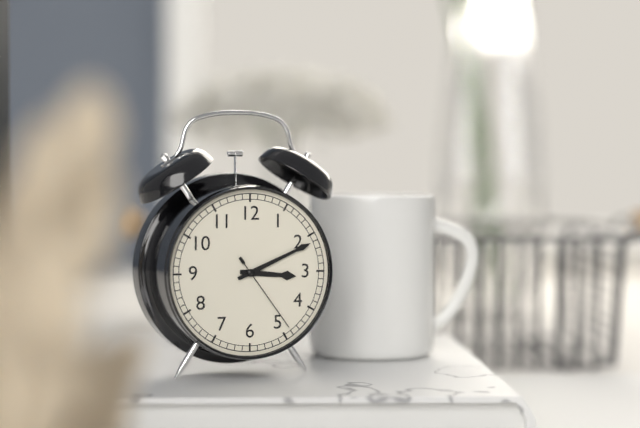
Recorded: {"hour": 3, "minute": 11, "second": 24}
